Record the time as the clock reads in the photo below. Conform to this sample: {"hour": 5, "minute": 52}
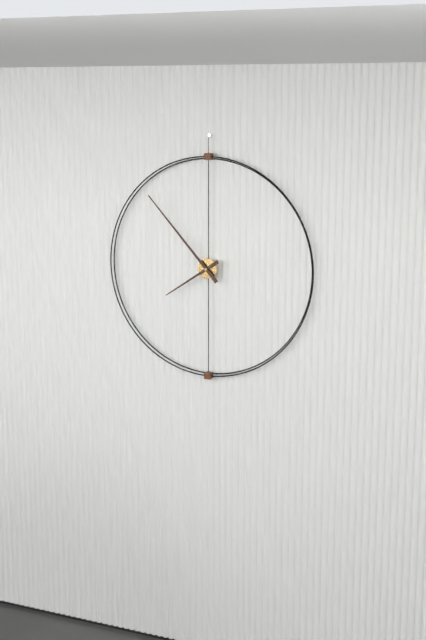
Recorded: {"hour": 7, "minute": 53}
